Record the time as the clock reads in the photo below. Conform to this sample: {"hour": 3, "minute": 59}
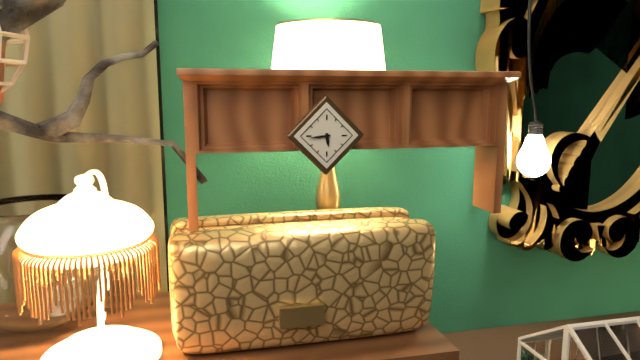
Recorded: {"hour": 5, "minute": 44}
